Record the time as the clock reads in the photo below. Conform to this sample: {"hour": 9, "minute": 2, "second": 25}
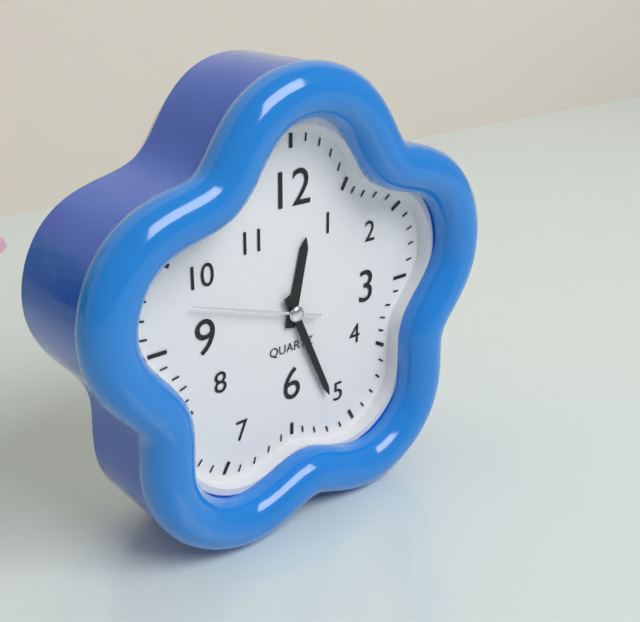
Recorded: {"hour": 12, "minute": 26, "second": 48}
